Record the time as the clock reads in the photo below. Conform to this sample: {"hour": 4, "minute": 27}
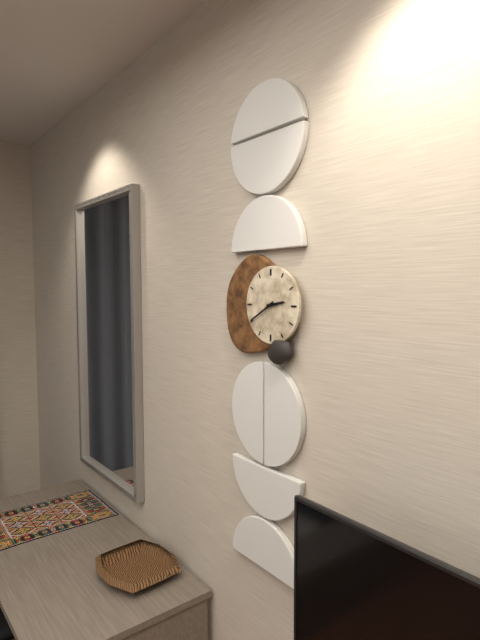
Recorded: {"hour": 2, "minute": 40}
